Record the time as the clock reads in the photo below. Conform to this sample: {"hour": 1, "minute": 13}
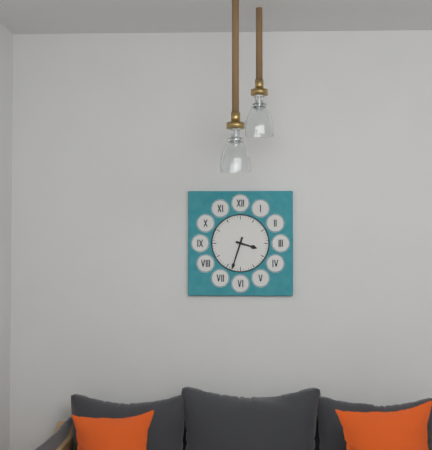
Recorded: {"hour": 3, "minute": 33}
